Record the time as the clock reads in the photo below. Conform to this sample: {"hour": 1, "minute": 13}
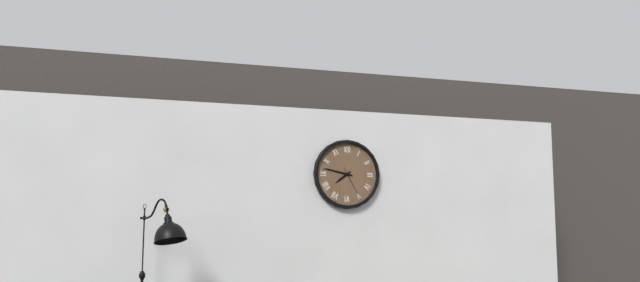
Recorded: {"hour": 7, "minute": 47}
